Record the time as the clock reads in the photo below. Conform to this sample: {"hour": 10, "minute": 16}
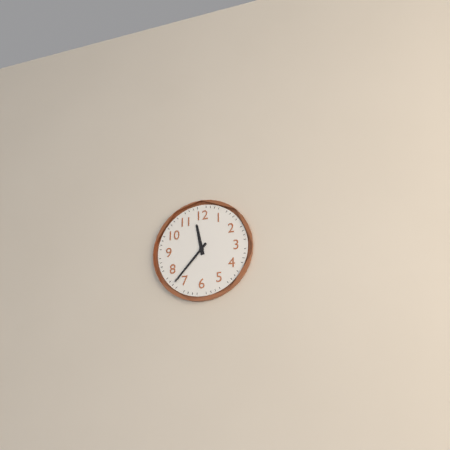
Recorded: {"hour": 11, "minute": 37}
